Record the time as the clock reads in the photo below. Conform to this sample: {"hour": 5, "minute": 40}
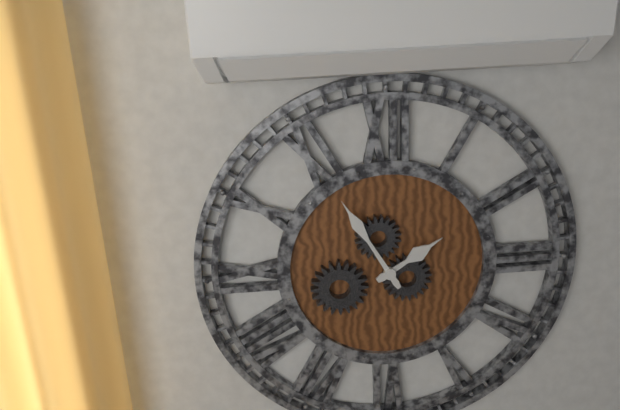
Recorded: {"hour": 1, "minute": 55}
